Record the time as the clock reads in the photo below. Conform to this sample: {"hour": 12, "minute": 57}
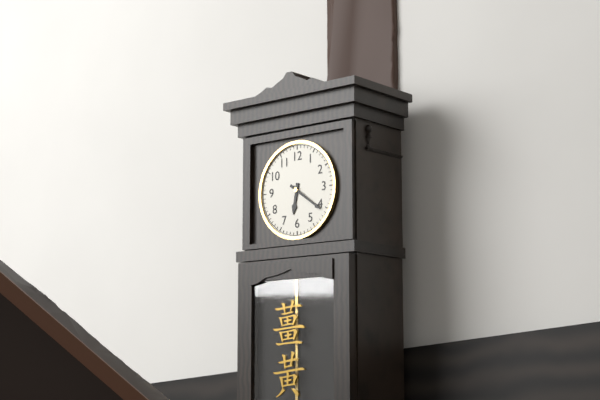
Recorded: {"hour": 6, "minute": 21}
